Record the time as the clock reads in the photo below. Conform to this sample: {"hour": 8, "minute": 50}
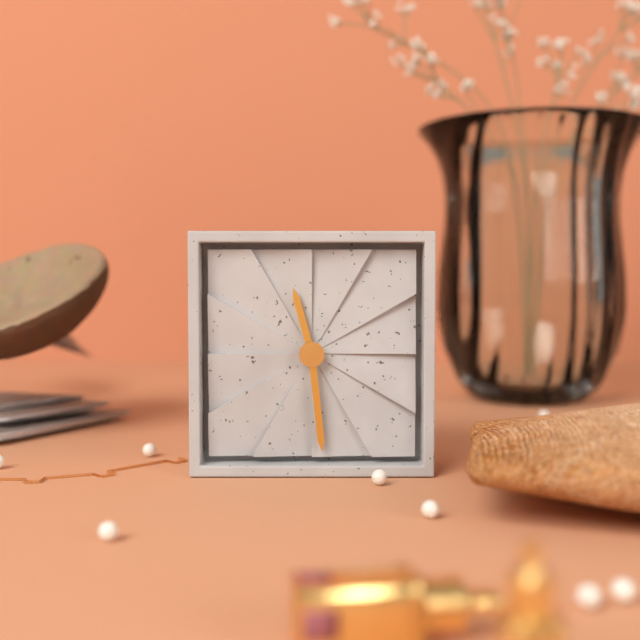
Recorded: {"hour": 11, "minute": 29}
